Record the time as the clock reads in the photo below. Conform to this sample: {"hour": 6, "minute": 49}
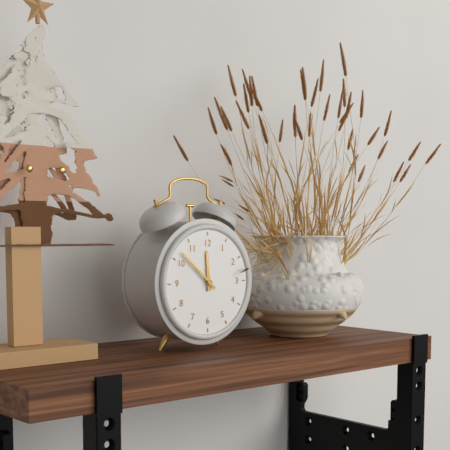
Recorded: {"hour": 11, "minute": 52}
